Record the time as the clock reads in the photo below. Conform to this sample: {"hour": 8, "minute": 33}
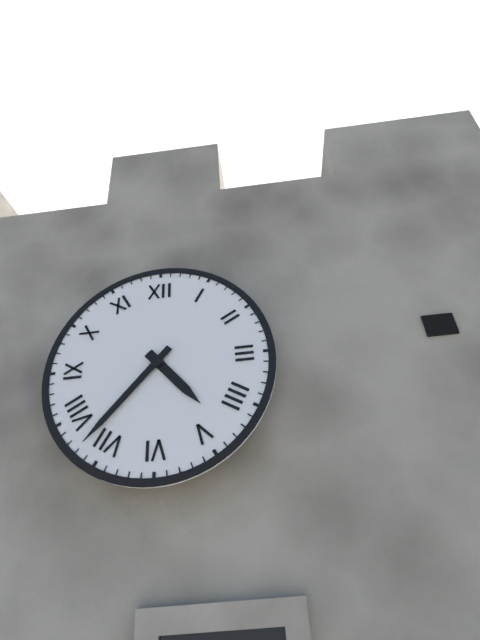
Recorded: {"hour": 4, "minute": 37}
